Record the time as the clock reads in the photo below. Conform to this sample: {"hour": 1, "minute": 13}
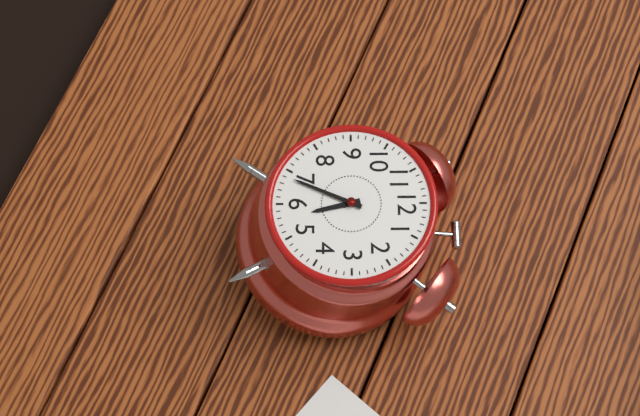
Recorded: {"hour": 5, "minute": 34}
